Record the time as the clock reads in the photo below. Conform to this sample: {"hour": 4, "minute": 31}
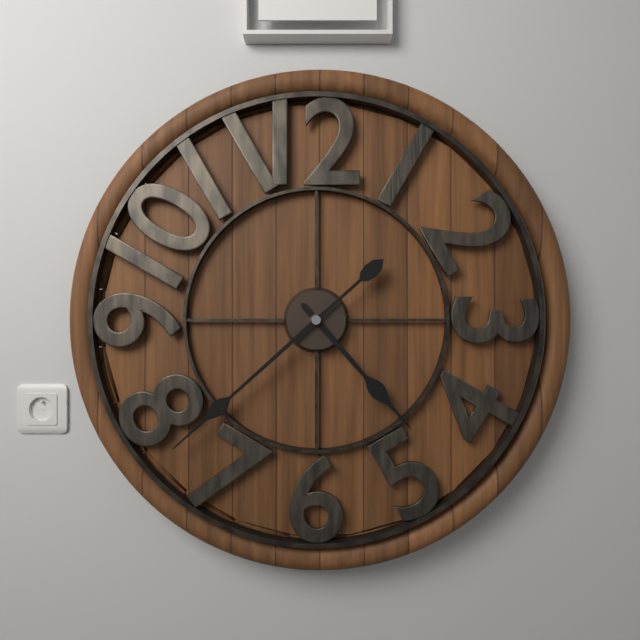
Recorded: {"hour": 4, "minute": 38}
